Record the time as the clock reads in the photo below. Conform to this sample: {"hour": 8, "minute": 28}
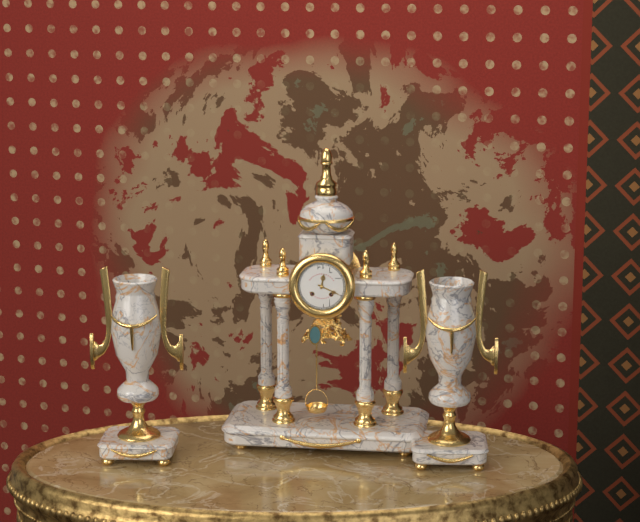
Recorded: {"hour": 12, "minute": 19}
